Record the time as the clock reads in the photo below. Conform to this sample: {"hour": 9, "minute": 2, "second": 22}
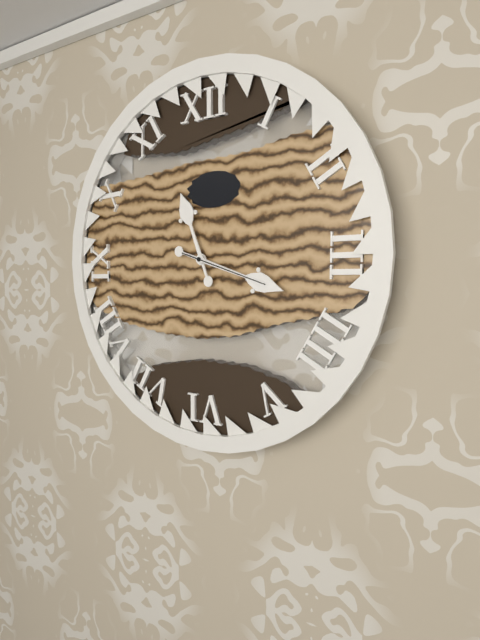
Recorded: {"hour": 11, "minute": 18, "second": 18}
